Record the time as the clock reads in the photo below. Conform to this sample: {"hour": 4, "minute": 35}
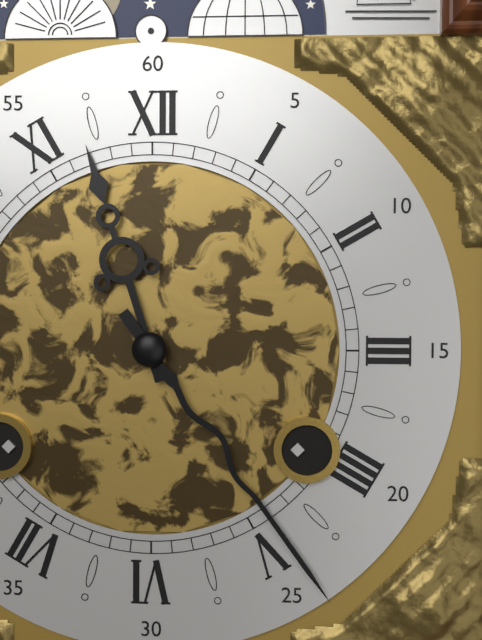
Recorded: {"hour": 11, "minute": 24}
